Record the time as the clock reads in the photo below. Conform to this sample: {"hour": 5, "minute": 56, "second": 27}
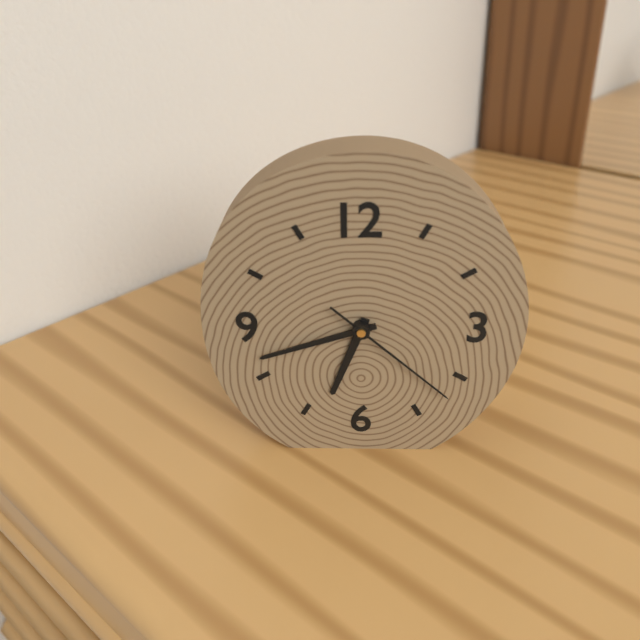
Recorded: {"hour": 6, "minute": 42, "second": 22}
